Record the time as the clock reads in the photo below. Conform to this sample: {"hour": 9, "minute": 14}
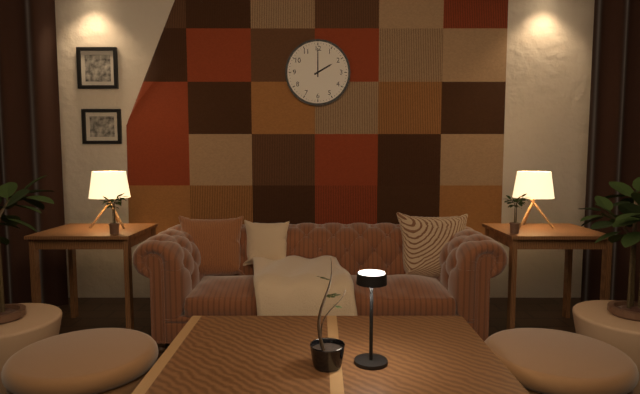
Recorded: {"hour": 2, "minute": 0}
